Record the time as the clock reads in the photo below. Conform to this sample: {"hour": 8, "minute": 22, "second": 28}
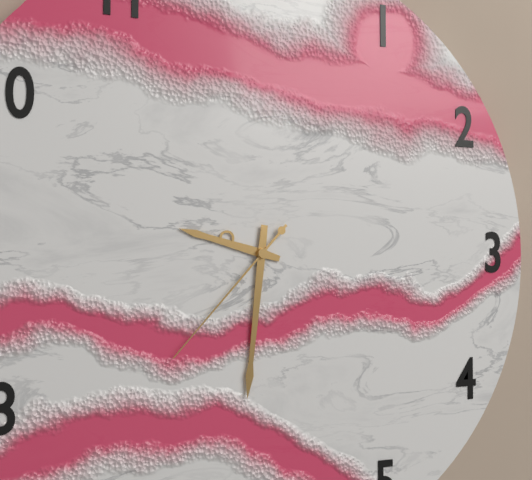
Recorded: {"hour": 9, "minute": 31, "second": 37}
